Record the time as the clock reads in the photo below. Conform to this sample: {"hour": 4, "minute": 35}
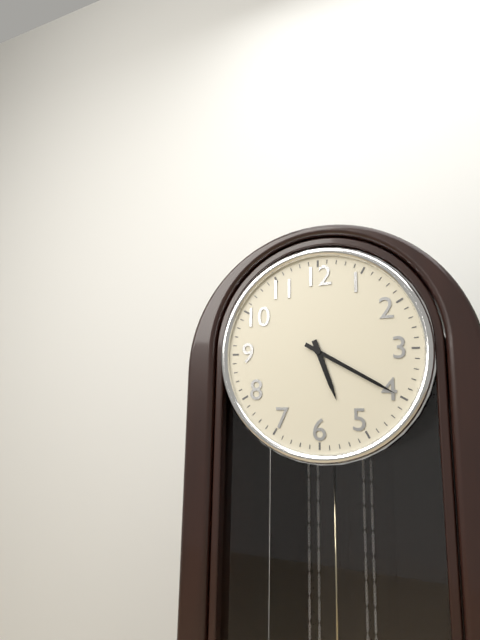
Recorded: {"hour": 5, "minute": 20}
